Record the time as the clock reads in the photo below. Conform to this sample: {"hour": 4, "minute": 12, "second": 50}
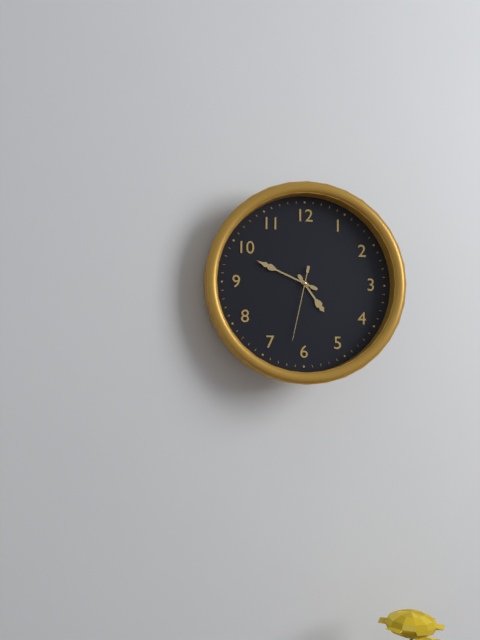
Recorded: {"hour": 4, "minute": 49, "second": 32}
